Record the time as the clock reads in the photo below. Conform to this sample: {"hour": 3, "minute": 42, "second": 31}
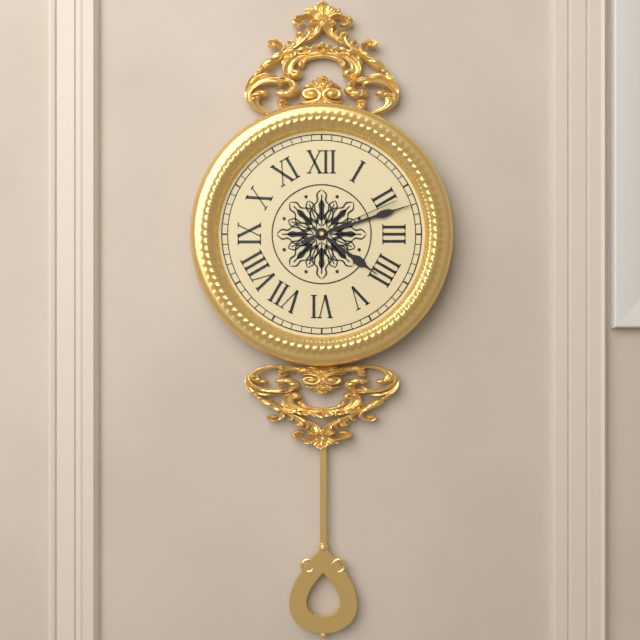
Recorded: {"hour": 4, "minute": 12, "second": 11}
